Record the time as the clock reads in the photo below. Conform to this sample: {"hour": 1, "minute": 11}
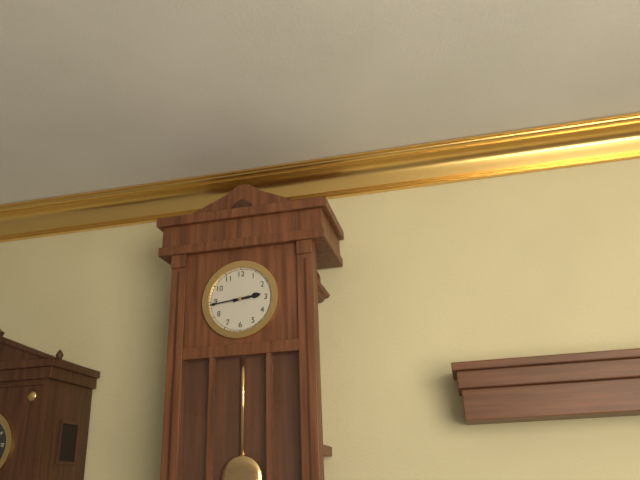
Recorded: {"hour": 2, "minute": 44}
